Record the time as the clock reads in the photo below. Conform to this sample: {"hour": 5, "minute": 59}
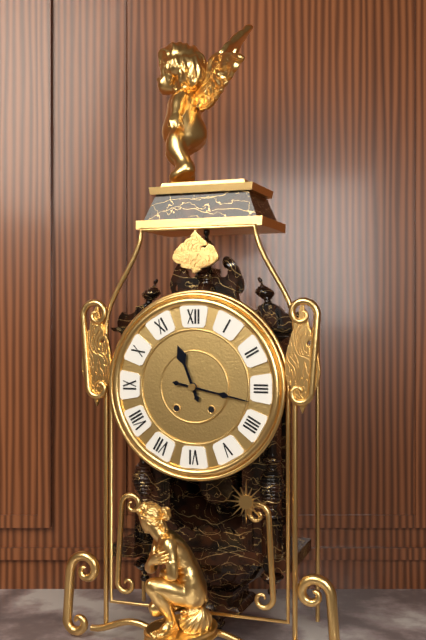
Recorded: {"hour": 11, "minute": 17}
